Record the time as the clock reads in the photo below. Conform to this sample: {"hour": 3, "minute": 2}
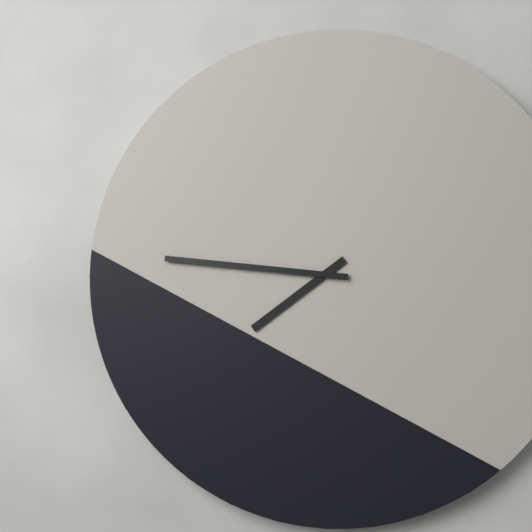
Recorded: {"hour": 7, "minute": 46}
